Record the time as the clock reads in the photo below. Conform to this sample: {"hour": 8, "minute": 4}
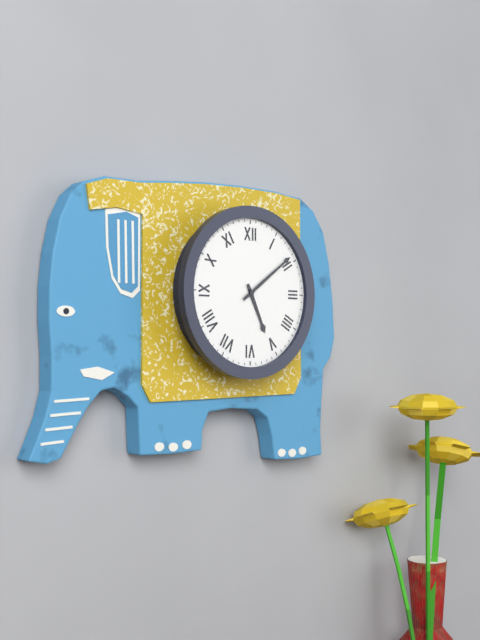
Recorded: {"hour": 5, "minute": 9}
